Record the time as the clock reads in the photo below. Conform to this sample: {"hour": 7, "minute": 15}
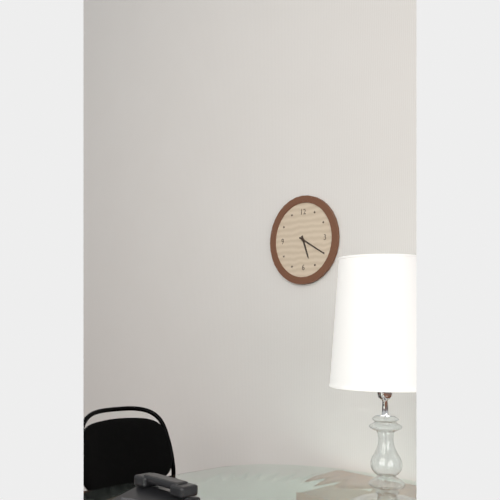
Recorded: {"hour": 5, "minute": 20}
